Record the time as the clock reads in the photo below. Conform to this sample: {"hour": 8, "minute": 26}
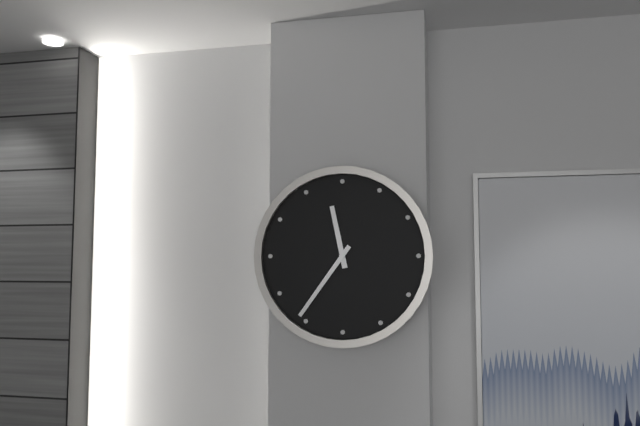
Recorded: {"hour": 11, "minute": 36}
